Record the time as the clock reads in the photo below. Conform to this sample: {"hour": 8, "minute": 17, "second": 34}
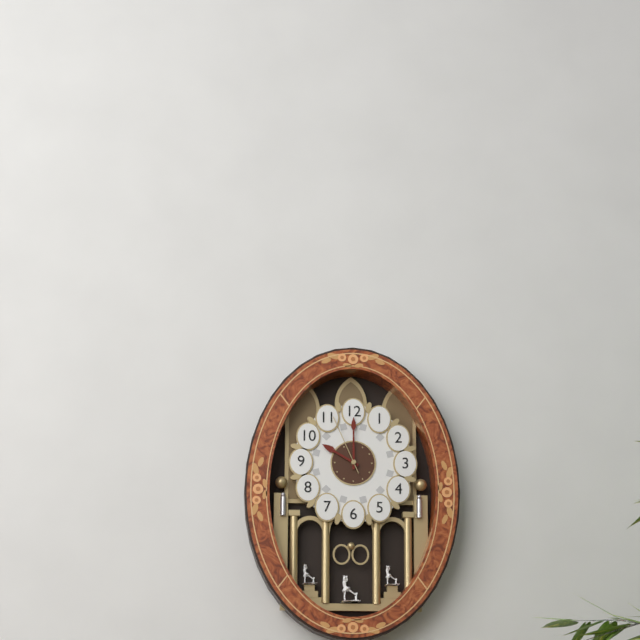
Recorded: {"hour": 10, "minute": 0, "second": 56}
